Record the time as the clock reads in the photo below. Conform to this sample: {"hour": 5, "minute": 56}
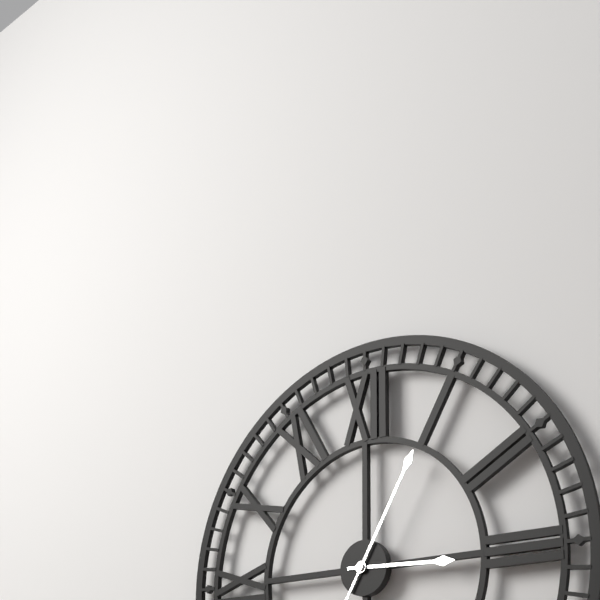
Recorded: {"hour": 3, "minute": 5}
